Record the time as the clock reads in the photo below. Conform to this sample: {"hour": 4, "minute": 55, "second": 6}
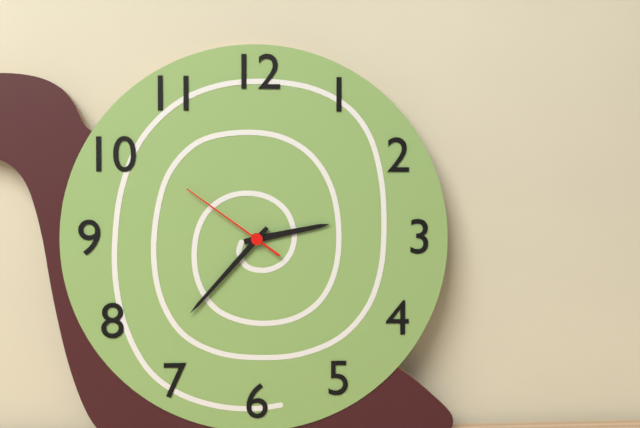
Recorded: {"hour": 2, "minute": 37, "second": 51}
